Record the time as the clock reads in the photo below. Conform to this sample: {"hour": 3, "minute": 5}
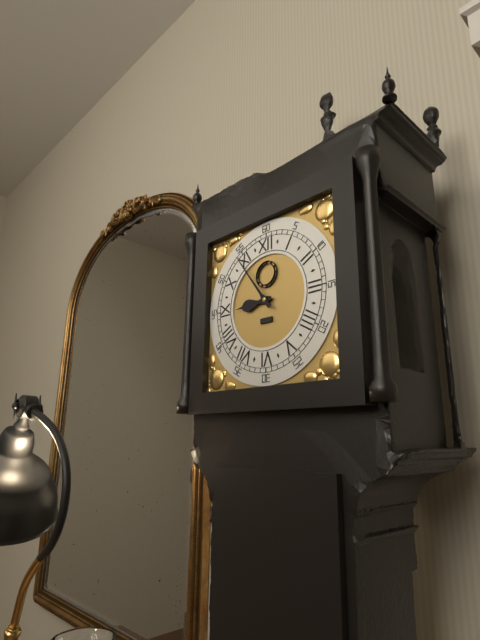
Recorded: {"hour": 8, "minute": 54}
